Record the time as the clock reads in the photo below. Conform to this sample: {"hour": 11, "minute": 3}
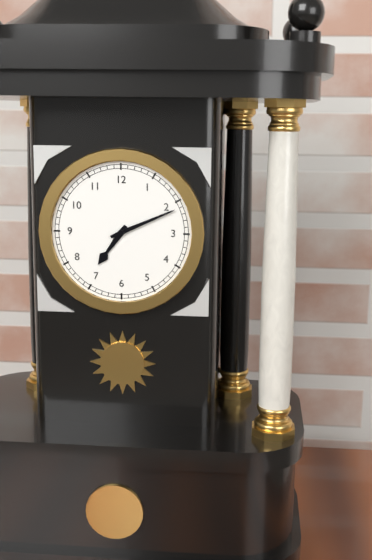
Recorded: {"hour": 7, "minute": 11}
